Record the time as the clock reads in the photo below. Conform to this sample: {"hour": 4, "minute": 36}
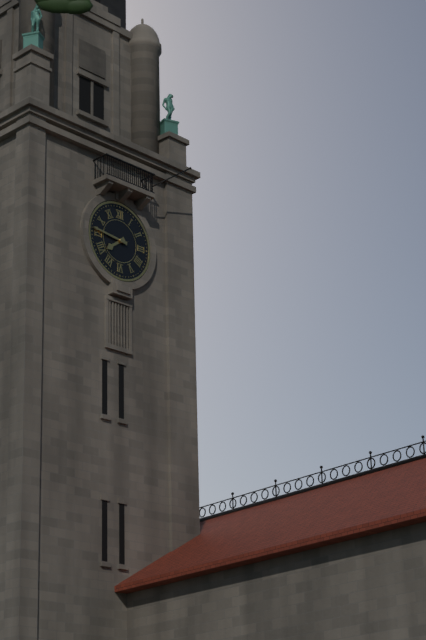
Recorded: {"hour": 7, "minute": 46}
